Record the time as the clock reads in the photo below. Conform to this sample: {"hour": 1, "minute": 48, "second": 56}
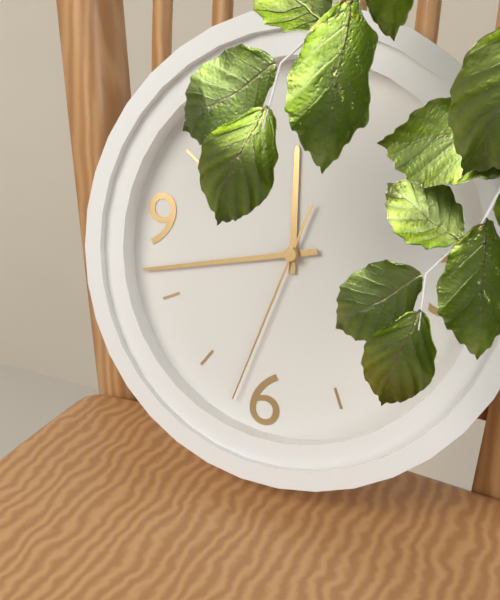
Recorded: {"hour": 11, "minute": 42, "second": 32}
